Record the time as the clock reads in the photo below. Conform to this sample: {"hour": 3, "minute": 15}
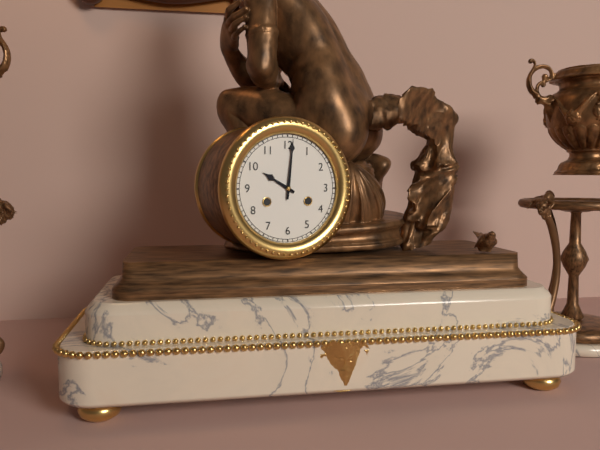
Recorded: {"hour": 10, "minute": 1}
